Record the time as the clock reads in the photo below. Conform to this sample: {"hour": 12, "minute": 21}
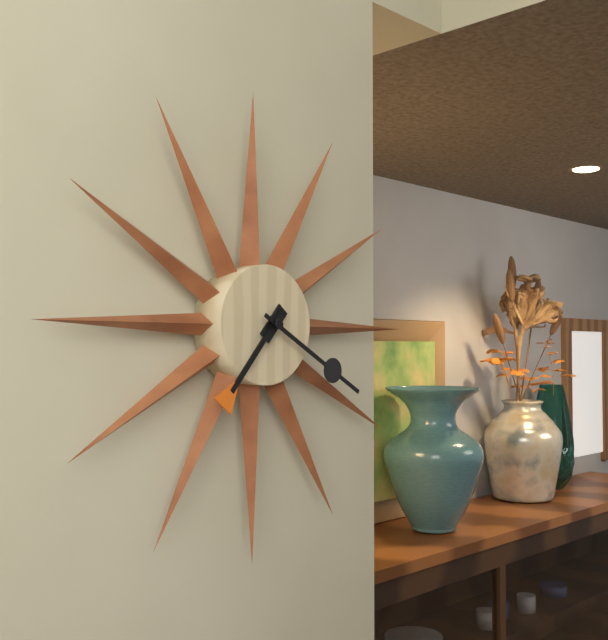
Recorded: {"hour": 7, "minute": 20}
